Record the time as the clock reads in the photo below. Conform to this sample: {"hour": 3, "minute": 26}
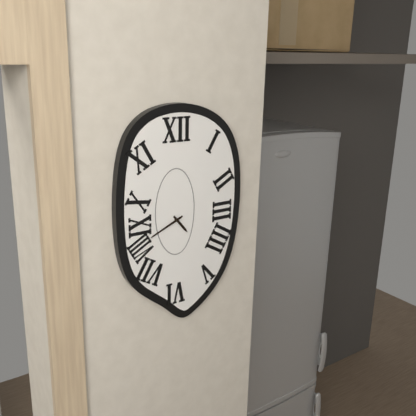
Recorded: {"hour": 4, "minute": 41}
